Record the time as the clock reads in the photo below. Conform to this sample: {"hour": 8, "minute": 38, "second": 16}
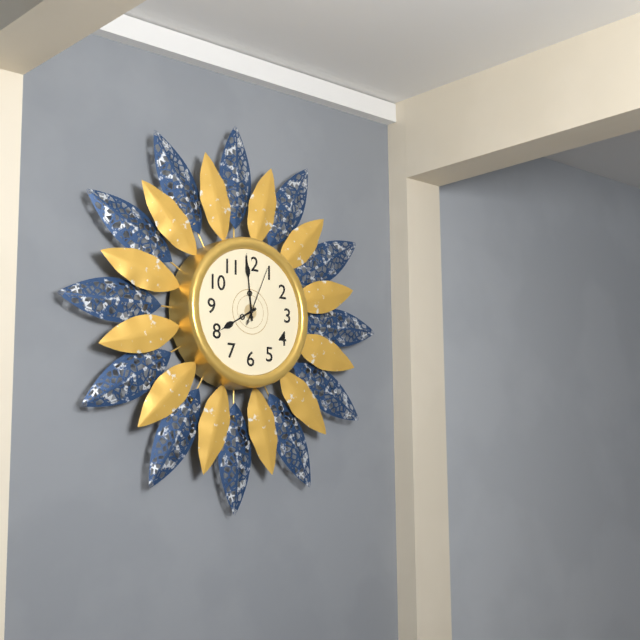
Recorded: {"hour": 7, "minute": 59, "second": 4}
